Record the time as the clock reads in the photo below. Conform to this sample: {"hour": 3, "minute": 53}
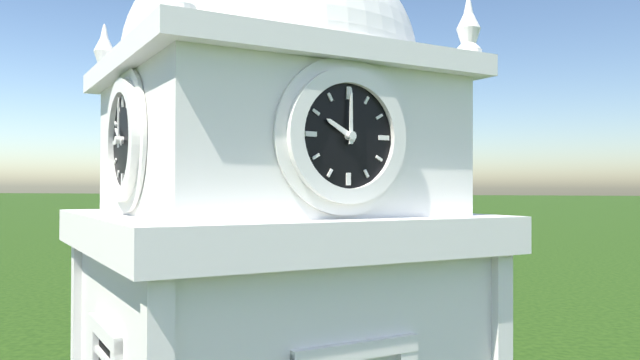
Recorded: {"hour": 10, "minute": 0}
